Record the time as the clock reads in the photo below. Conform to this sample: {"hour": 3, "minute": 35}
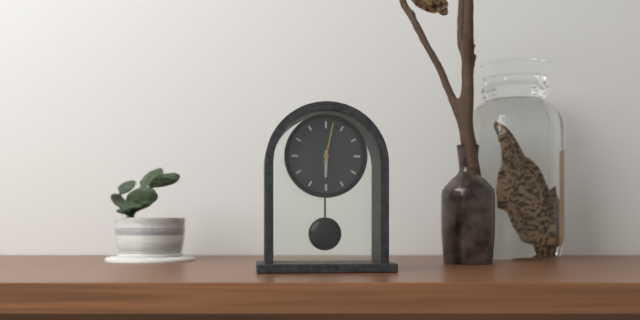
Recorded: {"hour": 6, "minute": 2}
